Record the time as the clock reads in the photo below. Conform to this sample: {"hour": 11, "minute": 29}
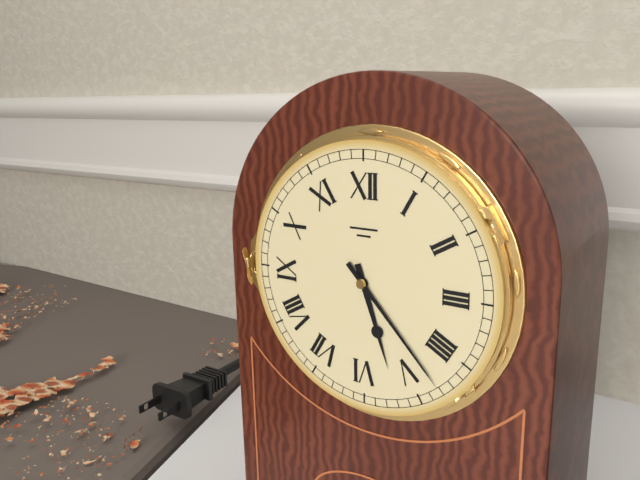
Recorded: {"hour": 5, "minute": 23}
